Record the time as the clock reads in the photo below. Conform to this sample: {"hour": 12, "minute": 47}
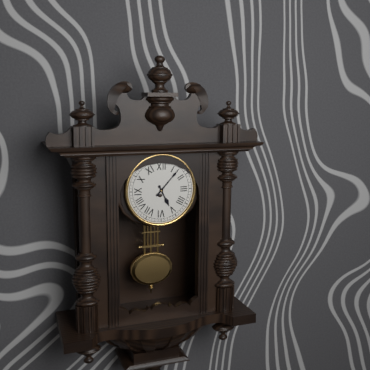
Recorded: {"hour": 5, "minute": 7}
